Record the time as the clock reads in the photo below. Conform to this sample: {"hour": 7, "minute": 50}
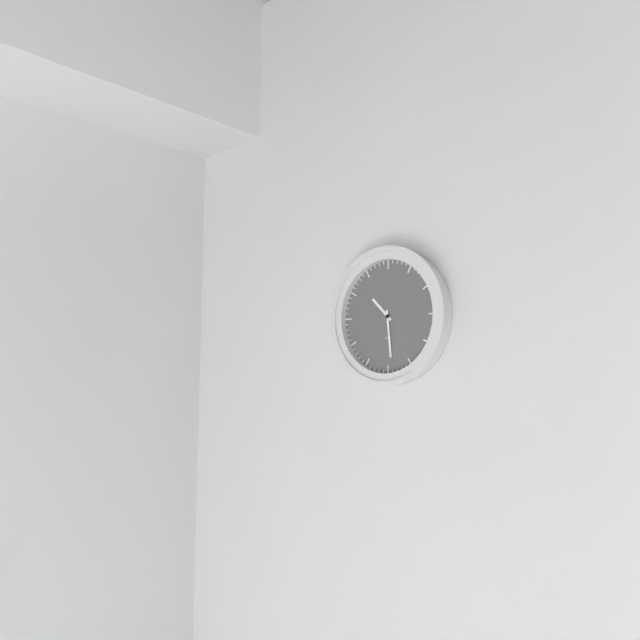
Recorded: {"hour": 10, "minute": 29}
